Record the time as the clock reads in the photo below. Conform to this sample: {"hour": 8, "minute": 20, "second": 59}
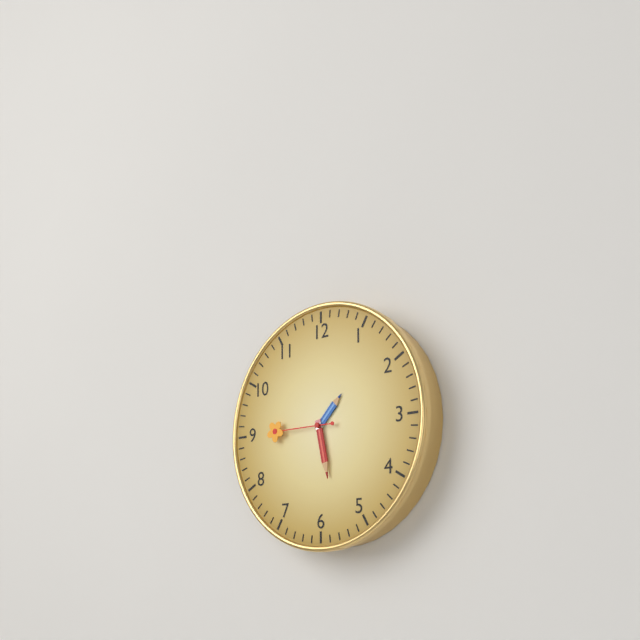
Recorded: {"hour": 1, "minute": 28, "second": 45}
